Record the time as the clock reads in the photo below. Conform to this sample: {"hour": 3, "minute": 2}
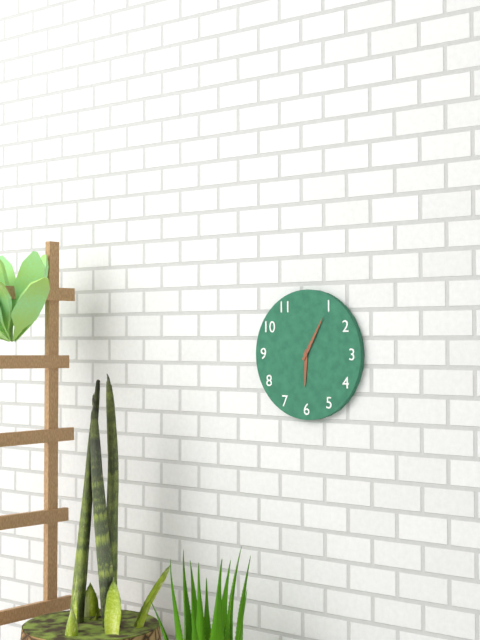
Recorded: {"hour": 6, "minute": 5}
